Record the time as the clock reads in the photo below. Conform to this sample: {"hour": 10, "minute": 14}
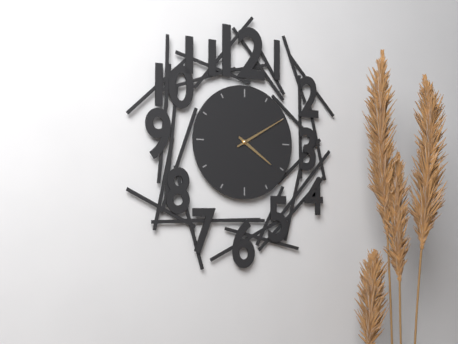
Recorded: {"hour": 4, "minute": 10}
